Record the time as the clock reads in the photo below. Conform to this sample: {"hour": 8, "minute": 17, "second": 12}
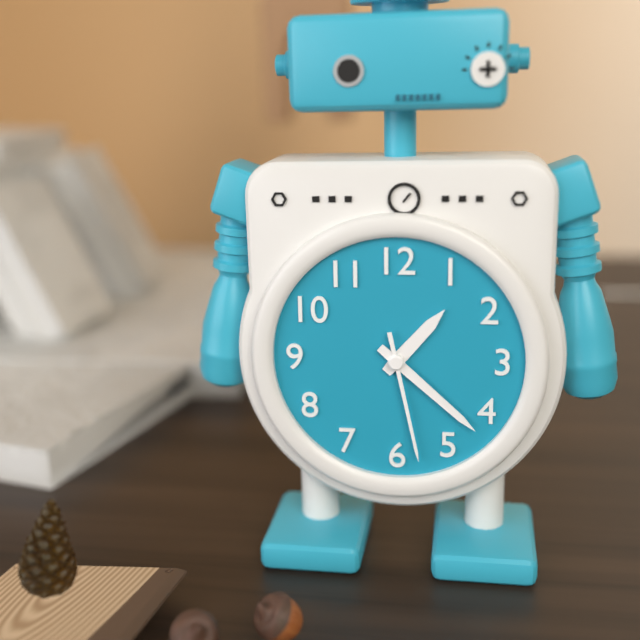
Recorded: {"hour": 1, "minute": 22, "second": 28}
